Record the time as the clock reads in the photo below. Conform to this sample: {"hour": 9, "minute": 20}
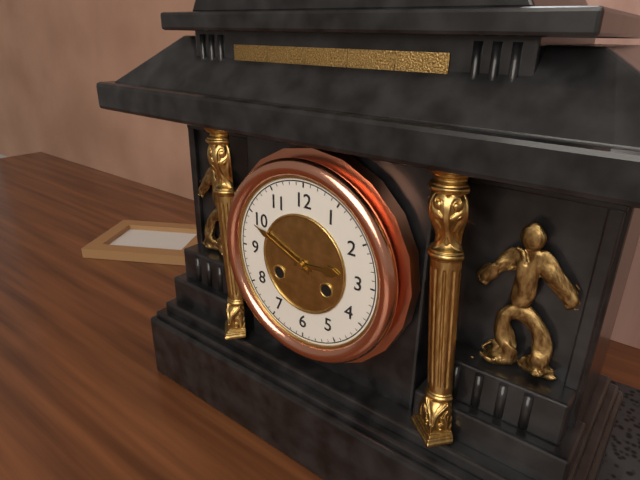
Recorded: {"hour": 2, "minute": 49}
